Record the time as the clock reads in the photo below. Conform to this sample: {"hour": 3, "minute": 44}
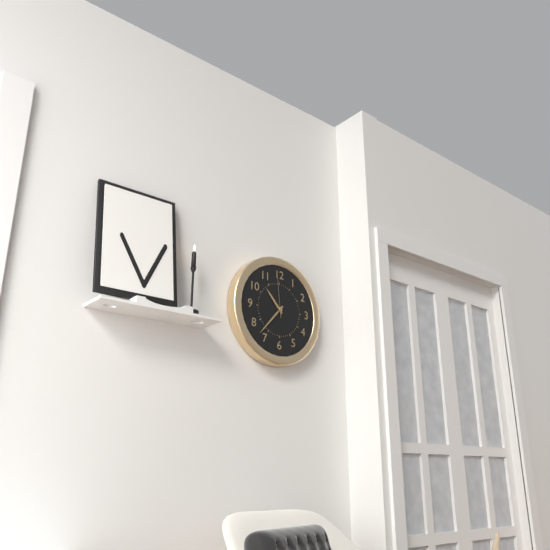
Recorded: {"hour": 10, "minute": 37}
